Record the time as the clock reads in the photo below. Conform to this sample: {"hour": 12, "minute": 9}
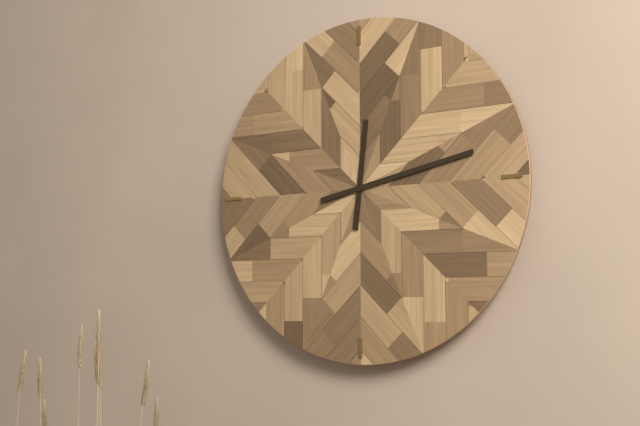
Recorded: {"hour": 12, "minute": 13}
